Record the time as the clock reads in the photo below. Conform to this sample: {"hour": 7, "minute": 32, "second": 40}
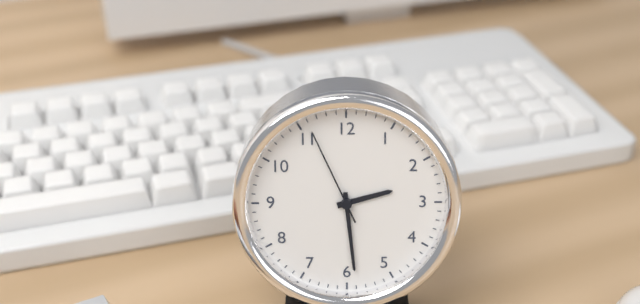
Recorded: {"hour": 2, "minute": 29, "second": 56}
